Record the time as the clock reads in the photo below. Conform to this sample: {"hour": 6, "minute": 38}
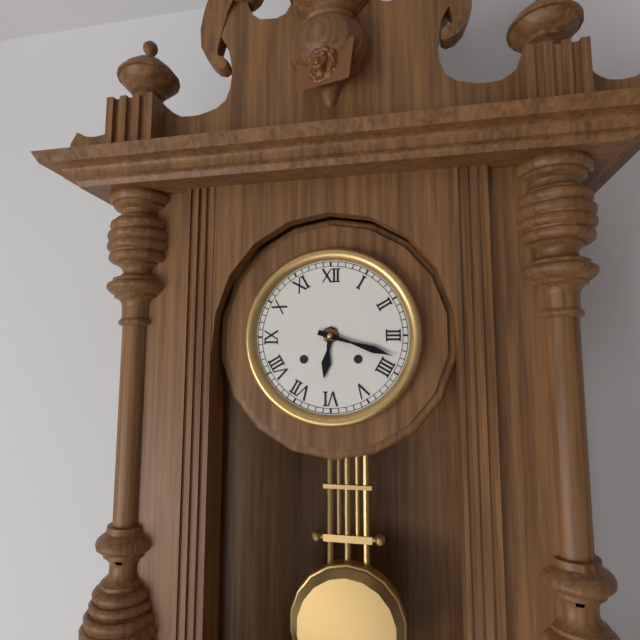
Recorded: {"hour": 6, "minute": 18}
